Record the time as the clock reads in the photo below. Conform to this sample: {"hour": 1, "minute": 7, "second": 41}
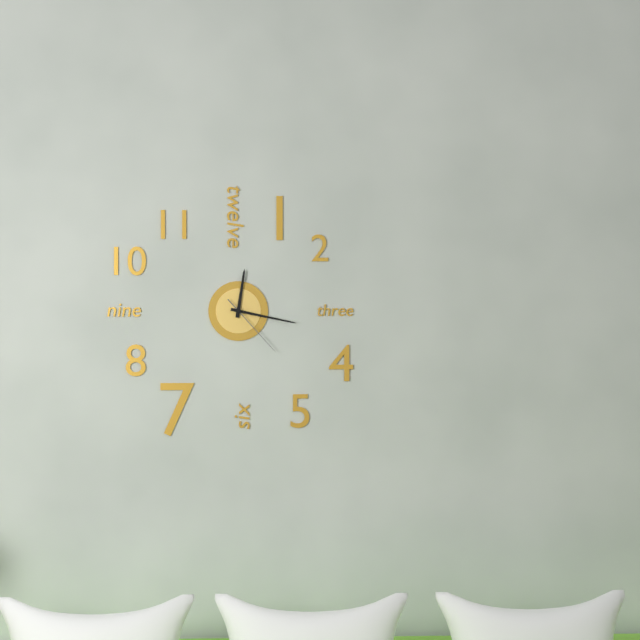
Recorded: {"hour": 12, "minute": 17, "second": 23}
